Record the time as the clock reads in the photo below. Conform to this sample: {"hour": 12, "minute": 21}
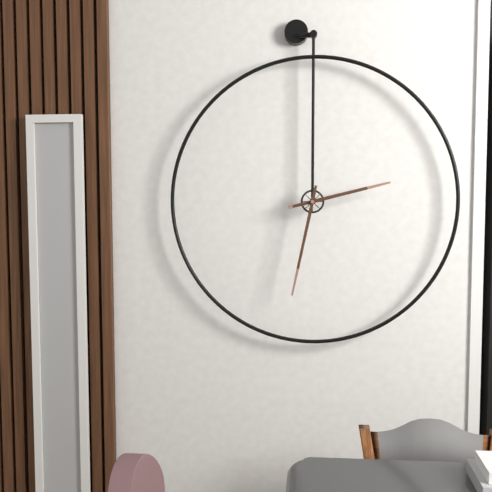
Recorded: {"hour": 2, "minute": 32}
